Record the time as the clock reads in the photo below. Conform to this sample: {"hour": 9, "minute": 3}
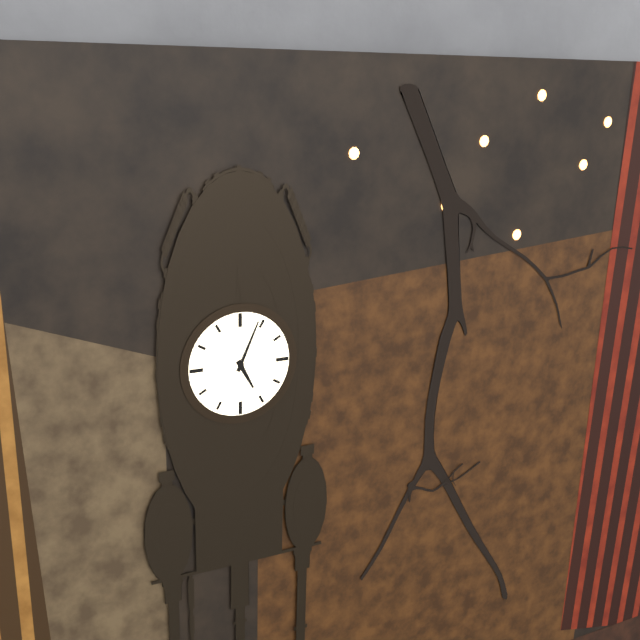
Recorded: {"hour": 5, "minute": 4}
